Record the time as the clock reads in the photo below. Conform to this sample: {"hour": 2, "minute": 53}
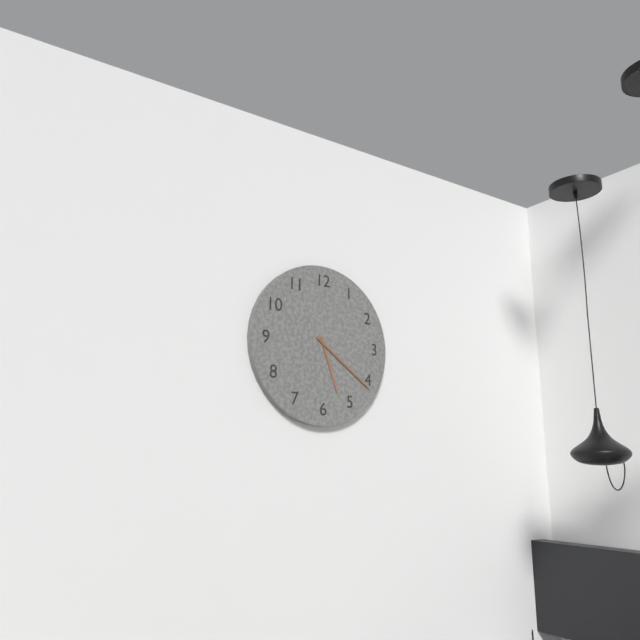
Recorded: {"hour": 5, "minute": 21}
